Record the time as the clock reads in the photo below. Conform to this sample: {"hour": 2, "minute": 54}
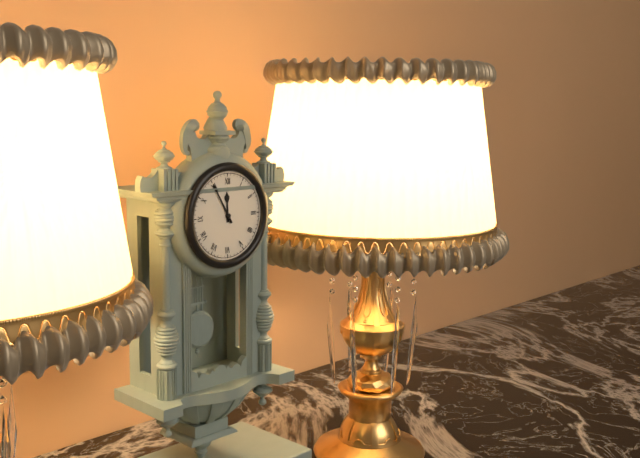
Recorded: {"hour": 11, "minute": 55}
